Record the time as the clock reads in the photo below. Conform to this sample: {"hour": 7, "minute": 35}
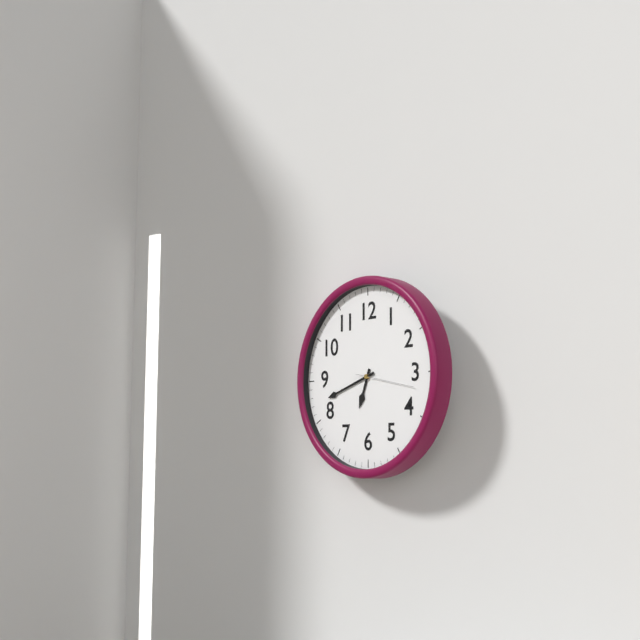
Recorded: {"hour": 6, "minute": 42}
